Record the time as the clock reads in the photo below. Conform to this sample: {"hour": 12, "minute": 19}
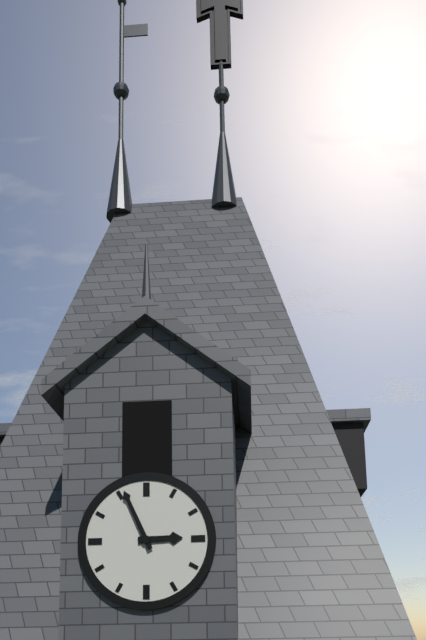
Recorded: {"hour": 2, "minute": 56}
